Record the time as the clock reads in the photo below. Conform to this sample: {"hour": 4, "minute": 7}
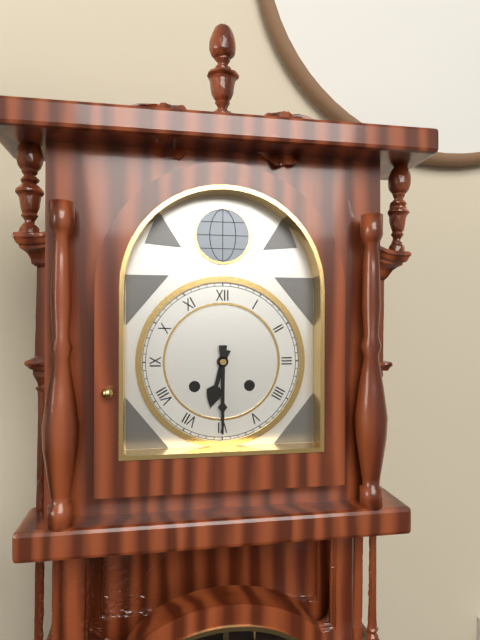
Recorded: {"hour": 6, "minute": 30}
